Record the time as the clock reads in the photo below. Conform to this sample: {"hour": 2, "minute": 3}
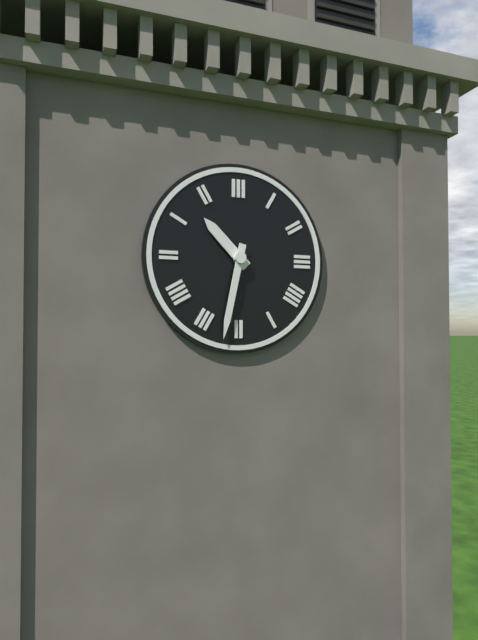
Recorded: {"hour": 10, "minute": 32}
